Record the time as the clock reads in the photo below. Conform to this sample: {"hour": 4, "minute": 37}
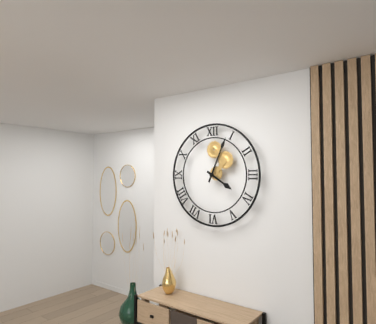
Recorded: {"hour": 4, "minute": 4}
